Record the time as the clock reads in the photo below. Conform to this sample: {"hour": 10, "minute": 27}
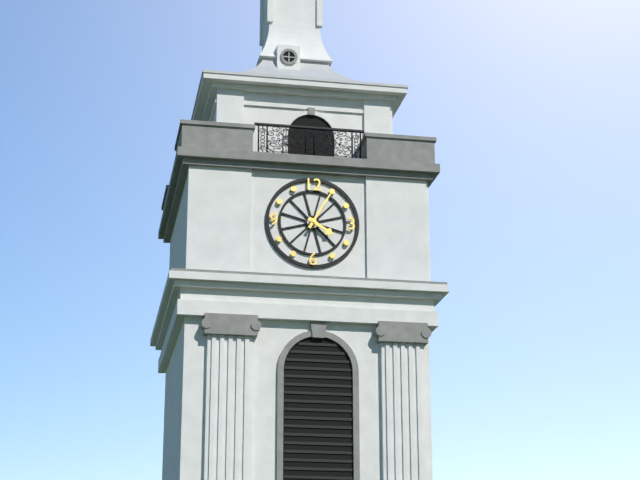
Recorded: {"hour": 4, "minute": 5}
